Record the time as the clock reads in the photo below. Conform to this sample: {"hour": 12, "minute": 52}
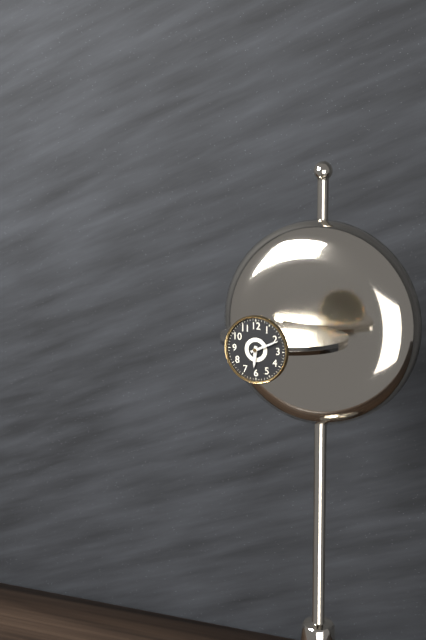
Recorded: {"hour": 6, "minute": 11}
